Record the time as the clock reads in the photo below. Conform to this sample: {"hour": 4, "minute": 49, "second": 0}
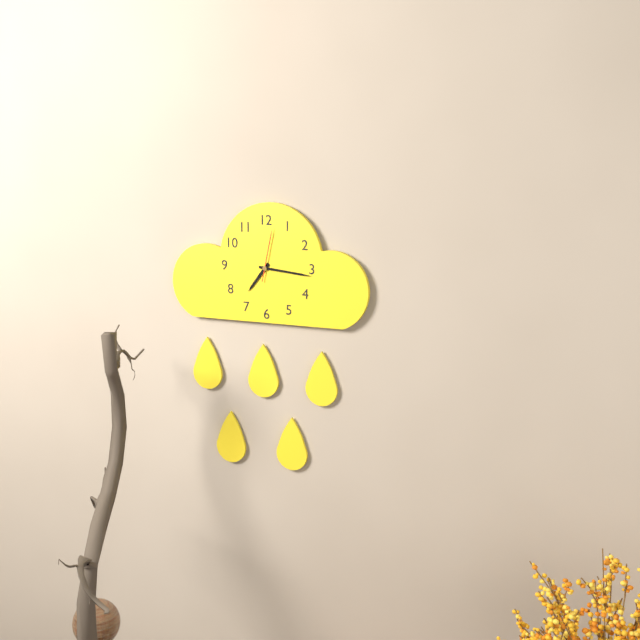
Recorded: {"hour": 7, "minute": 16, "second": 2}
